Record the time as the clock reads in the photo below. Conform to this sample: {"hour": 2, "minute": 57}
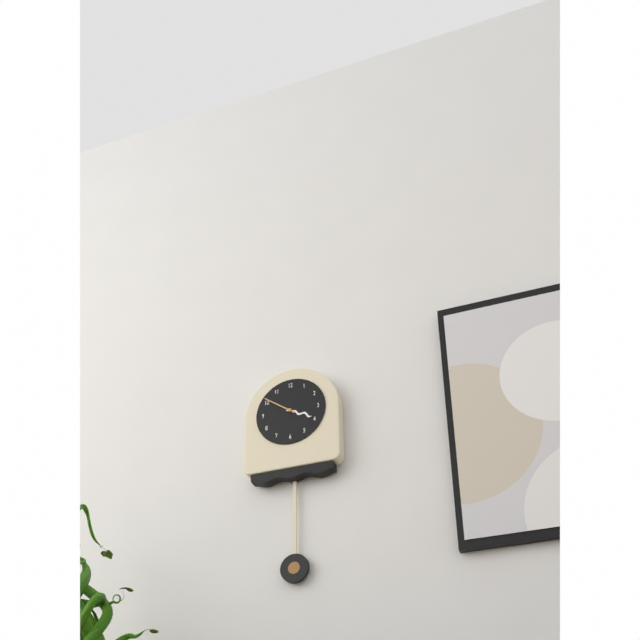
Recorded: {"hour": 3, "minute": 51}
